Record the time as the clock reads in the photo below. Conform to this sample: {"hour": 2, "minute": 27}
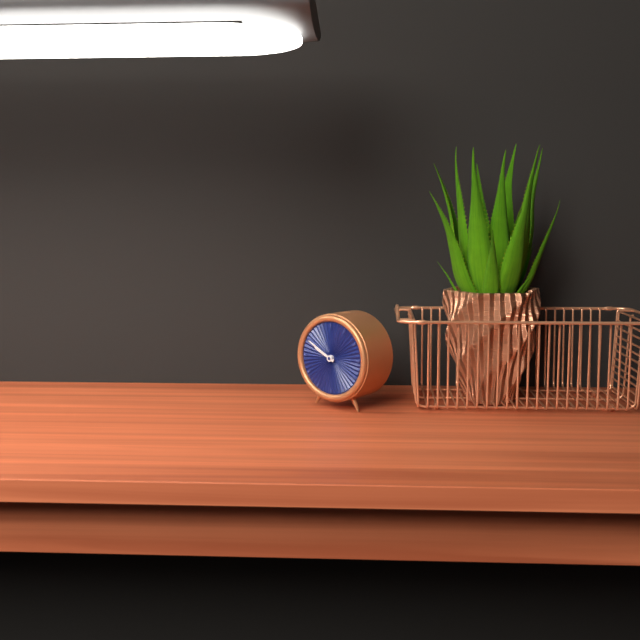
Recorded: {"hour": 9, "minute": 50}
